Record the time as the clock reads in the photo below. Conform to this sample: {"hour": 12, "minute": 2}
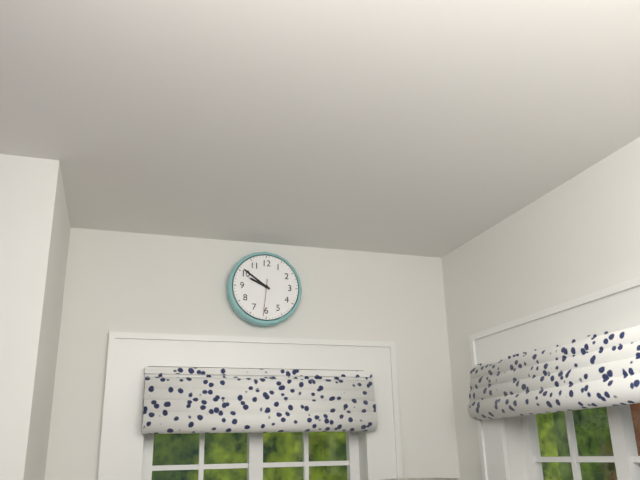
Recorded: {"hour": 9, "minute": 51}
